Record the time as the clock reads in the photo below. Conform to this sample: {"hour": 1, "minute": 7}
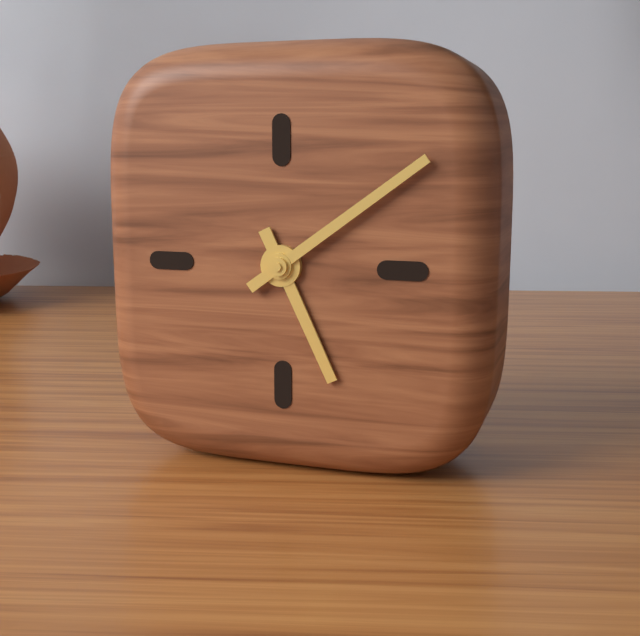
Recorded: {"hour": 5, "minute": 9}
